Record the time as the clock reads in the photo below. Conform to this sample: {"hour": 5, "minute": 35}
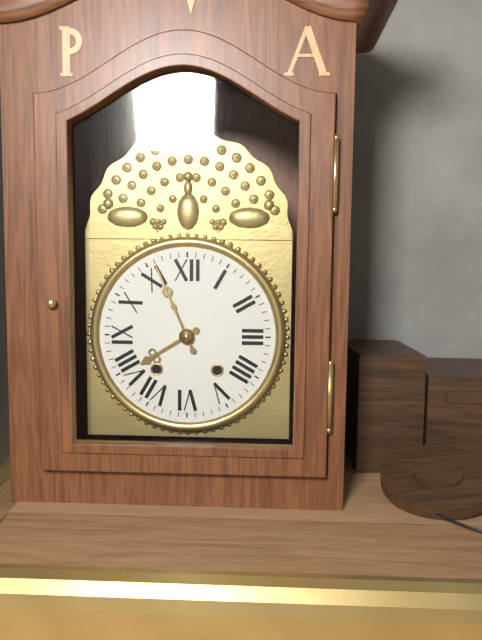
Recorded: {"hour": 7, "minute": 56}
